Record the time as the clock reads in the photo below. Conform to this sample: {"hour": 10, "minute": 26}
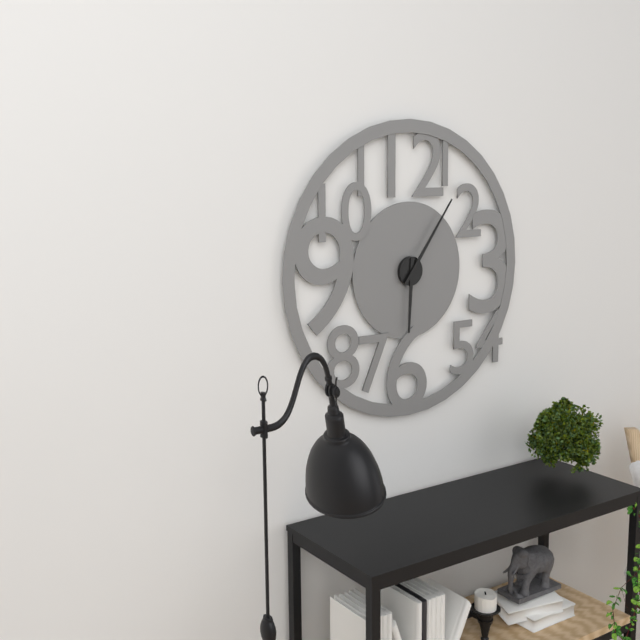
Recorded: {"hour": 6, "minute": 6}
